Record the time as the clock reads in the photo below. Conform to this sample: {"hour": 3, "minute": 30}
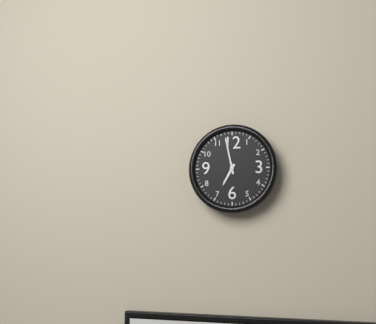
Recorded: {"hour": 6, "minute": 58}
